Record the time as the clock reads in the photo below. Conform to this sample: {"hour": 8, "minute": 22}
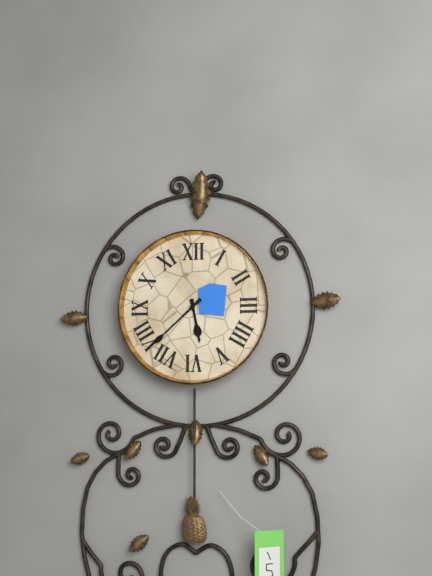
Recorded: {"hour": 5, "minute": 38}
